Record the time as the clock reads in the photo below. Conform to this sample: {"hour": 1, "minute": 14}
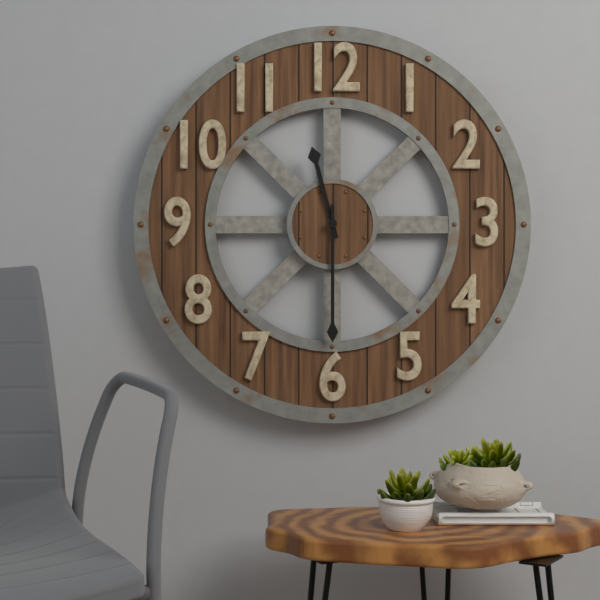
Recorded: {"hour": 11, "minute": 30}
